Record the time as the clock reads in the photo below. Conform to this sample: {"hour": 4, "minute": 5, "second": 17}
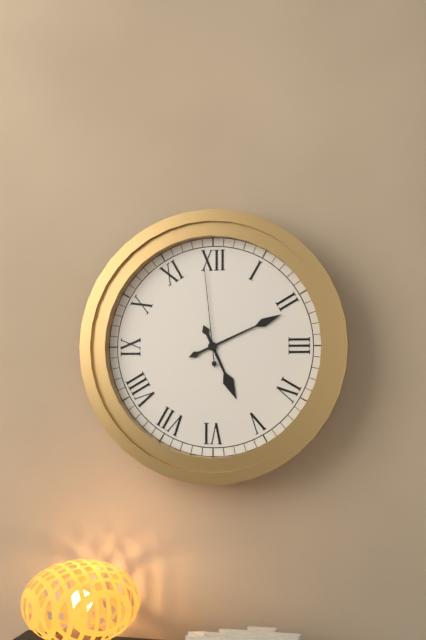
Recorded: {"hour": 5, "minute": 11, "second": 59}
